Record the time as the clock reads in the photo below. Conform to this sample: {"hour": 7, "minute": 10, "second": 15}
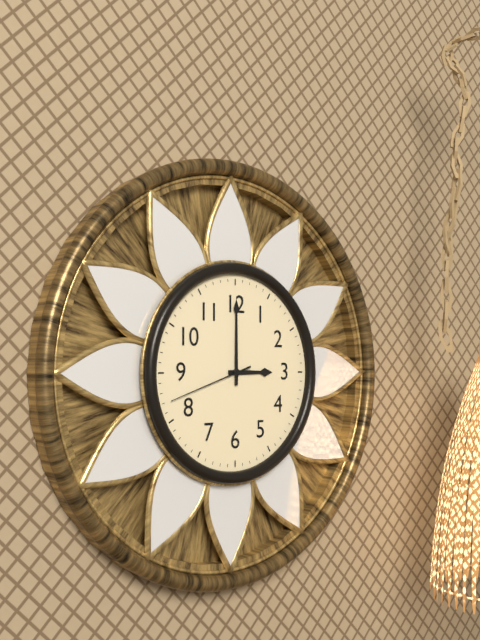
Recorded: {"hour": 3, "minute": 0, "second": 42}
